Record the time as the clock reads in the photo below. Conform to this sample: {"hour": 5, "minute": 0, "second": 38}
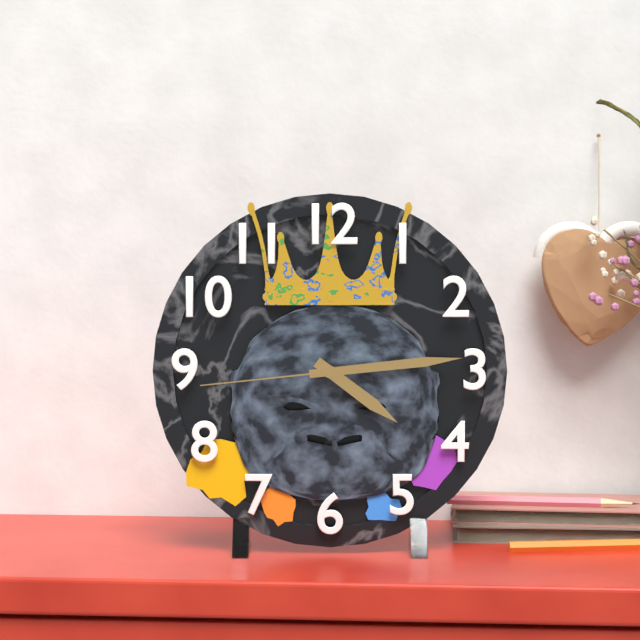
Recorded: {"hour": 4, "minute": 14, "second": 44}
